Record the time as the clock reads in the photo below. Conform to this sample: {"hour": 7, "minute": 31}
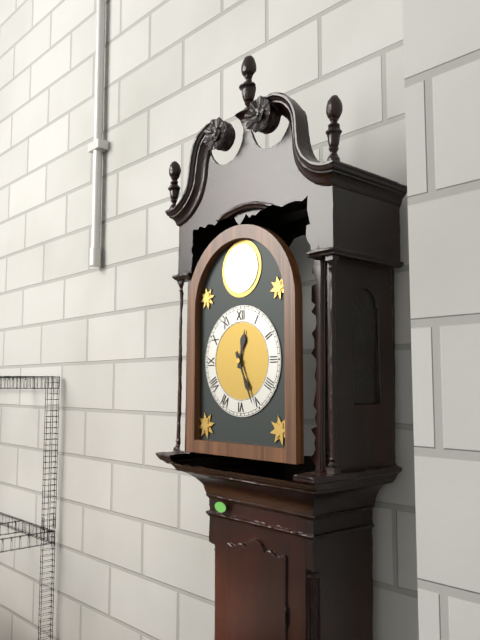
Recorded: {"hour": 12, "minute": 26}
